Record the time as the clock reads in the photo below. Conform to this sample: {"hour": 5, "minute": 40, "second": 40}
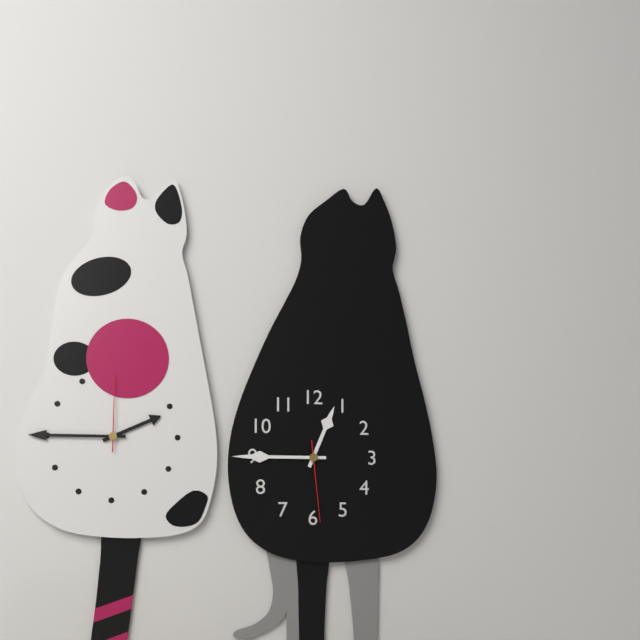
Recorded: {"hour": 12, "minute": 45, "second": 29}
